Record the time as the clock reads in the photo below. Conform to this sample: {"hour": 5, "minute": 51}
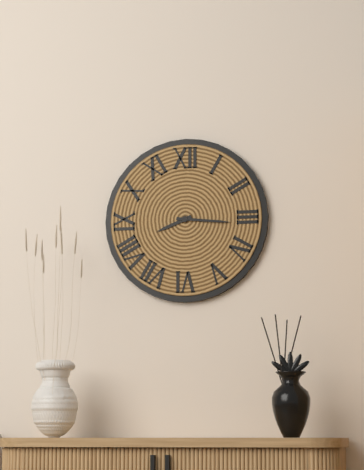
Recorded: {"hour": 8, "minute": 16}
